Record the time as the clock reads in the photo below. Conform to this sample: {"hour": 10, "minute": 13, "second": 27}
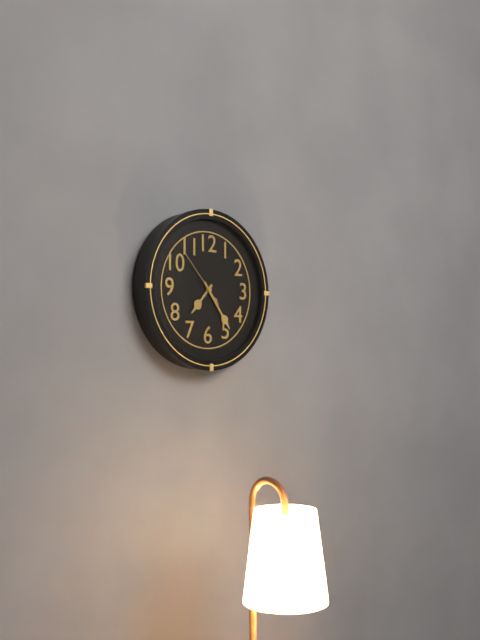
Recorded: {"hour": 7, "minute": 24, "second": 53}
